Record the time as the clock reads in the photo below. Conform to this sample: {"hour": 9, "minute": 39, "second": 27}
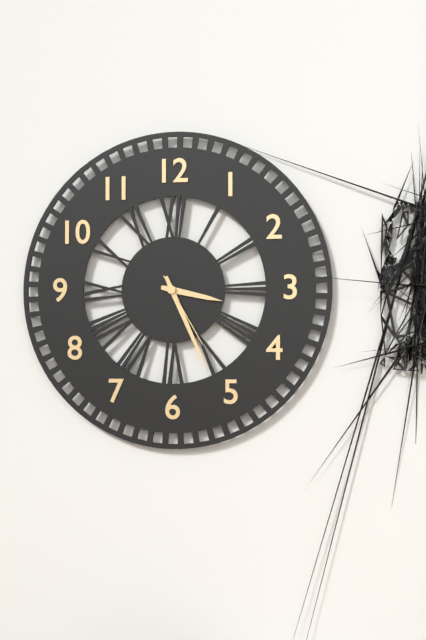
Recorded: {"hour": 3, "minute": 26, "second": 25}
